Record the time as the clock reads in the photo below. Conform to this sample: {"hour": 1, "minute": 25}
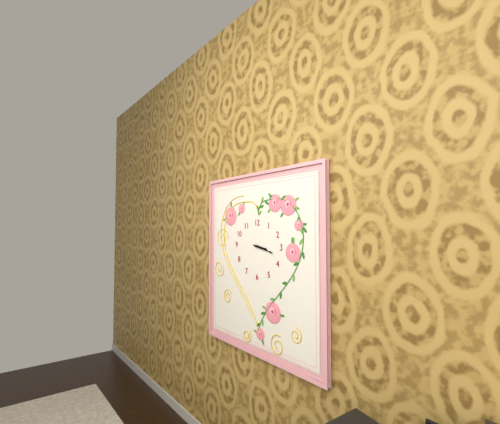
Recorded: {"hour": 3, "minute": 17}
